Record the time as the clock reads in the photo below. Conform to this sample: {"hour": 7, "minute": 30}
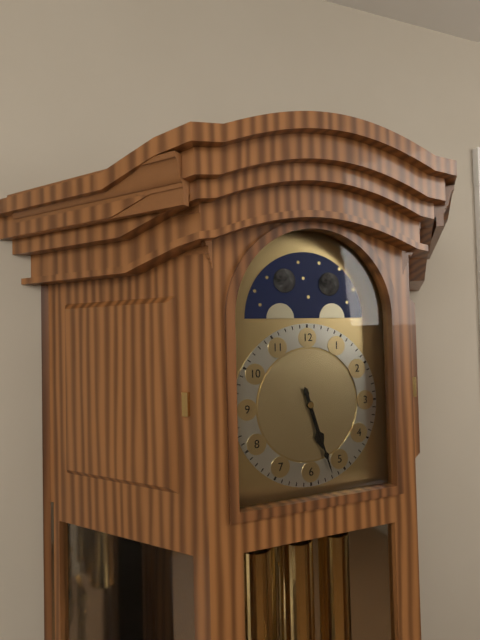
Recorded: {"hour": 5, "minute": 27}
